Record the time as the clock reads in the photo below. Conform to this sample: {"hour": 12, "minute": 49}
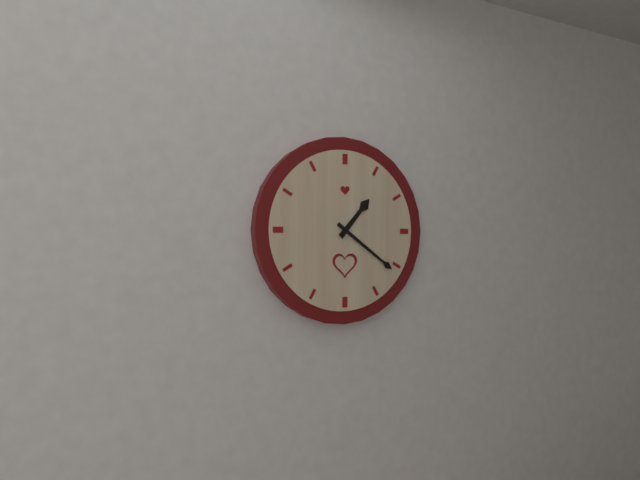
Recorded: {"hour": 1, "minute": 21}
